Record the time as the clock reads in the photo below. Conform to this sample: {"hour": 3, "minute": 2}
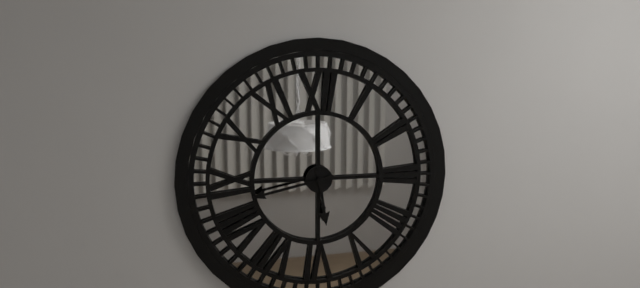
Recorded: {"hour": 5, "minute": 43}
